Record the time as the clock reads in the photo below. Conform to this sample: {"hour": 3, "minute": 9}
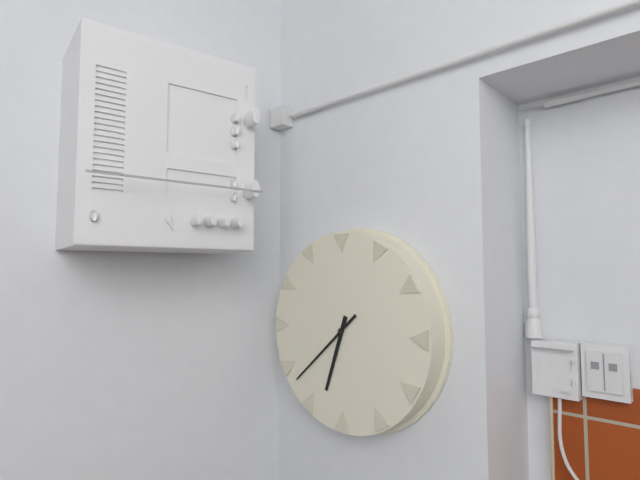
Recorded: {"hour": 6, "minute": 38}
